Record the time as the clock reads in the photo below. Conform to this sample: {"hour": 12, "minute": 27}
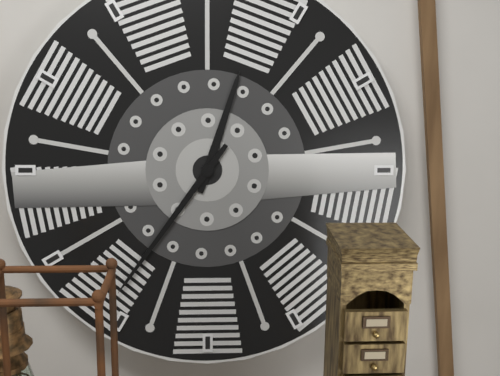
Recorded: {"hour": 12, "minute": 36}
